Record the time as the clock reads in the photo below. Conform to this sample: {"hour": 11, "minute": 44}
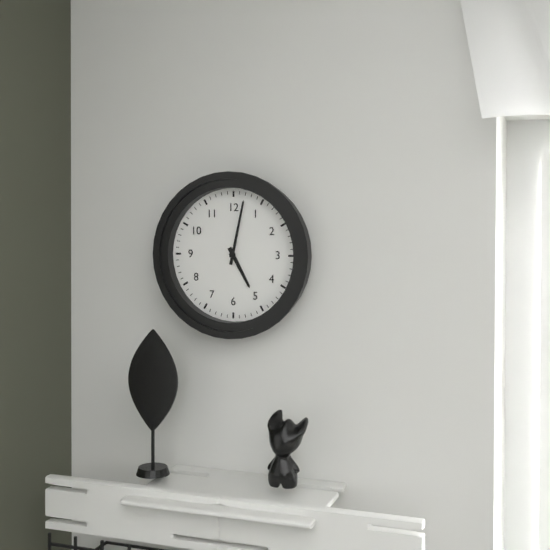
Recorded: {"hour": 5, "minute": 2}
